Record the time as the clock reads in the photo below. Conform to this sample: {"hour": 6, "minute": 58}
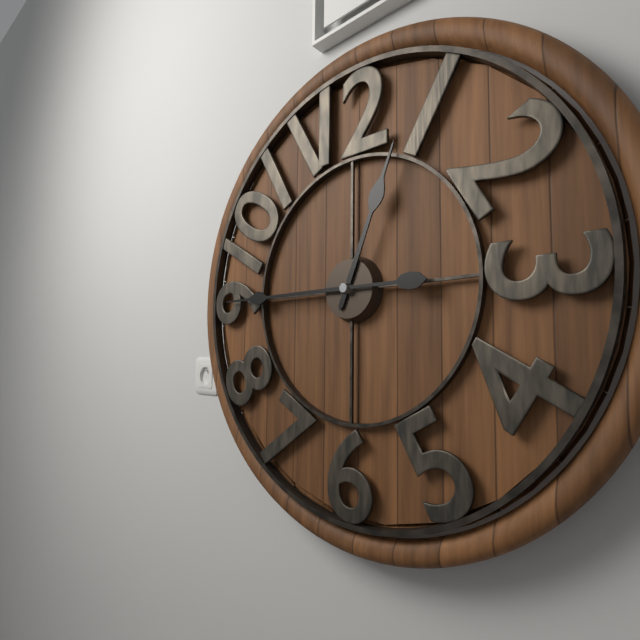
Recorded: {"hour": 12, "minute": 45}
